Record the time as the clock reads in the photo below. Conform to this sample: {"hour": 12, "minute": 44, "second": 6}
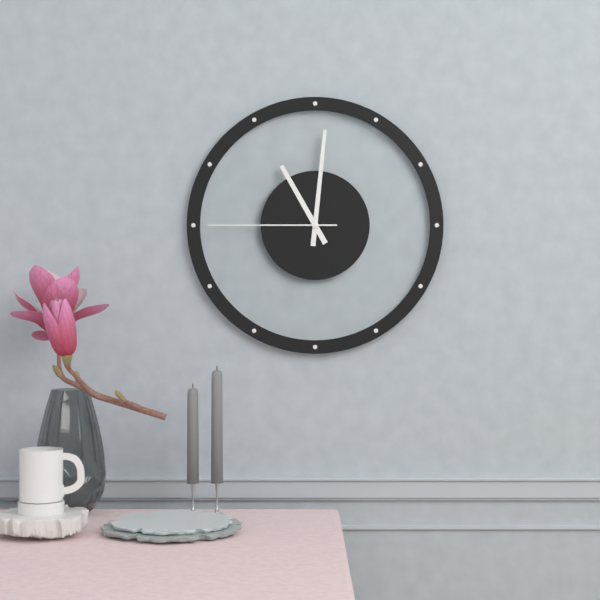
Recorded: {"hour": 11, "minute": 1, "second": 45}
